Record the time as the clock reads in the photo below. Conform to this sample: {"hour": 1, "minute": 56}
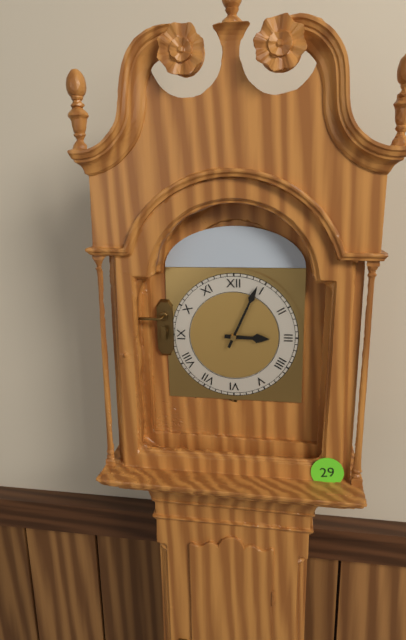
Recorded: {"hour": 3, "minute": 4}
